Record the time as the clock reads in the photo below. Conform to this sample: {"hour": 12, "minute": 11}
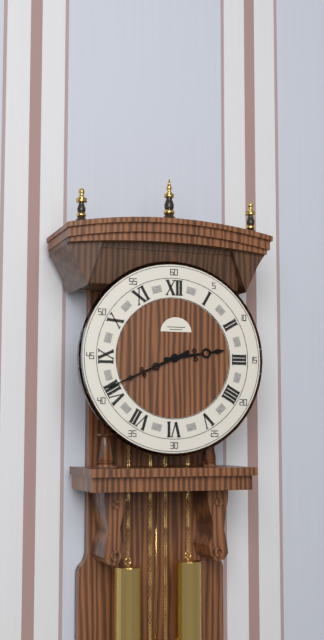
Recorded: {"hour": 2, "minute": 41}
